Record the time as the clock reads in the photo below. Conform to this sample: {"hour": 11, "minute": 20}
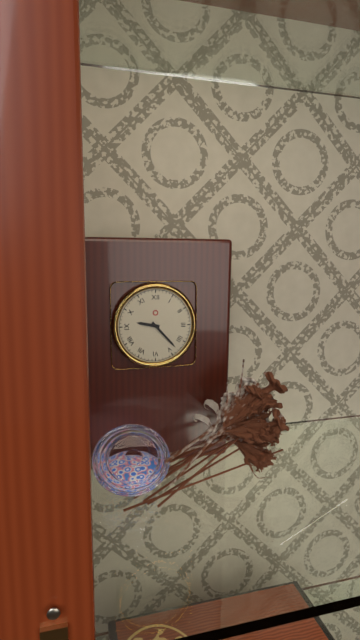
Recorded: {"hour": 9, "minute": 23}
